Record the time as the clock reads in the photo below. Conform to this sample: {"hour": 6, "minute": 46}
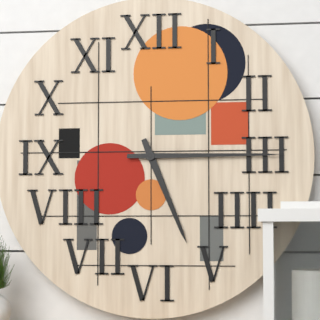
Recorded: {"hour": 5, "minute": 15}
